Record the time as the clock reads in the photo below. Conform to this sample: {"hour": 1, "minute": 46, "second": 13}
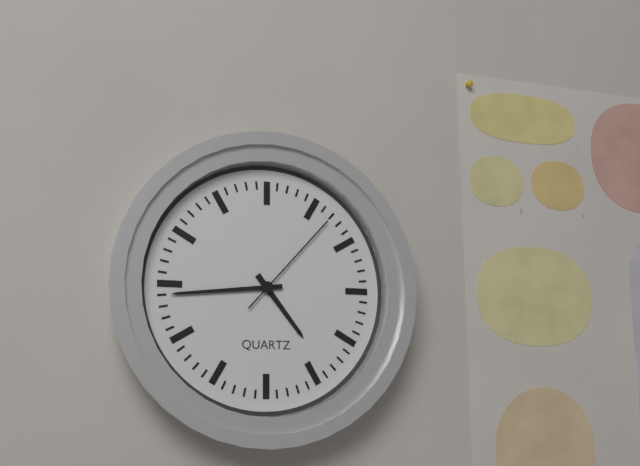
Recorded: {"hour": 4, "minute": 44, "second": 7}
